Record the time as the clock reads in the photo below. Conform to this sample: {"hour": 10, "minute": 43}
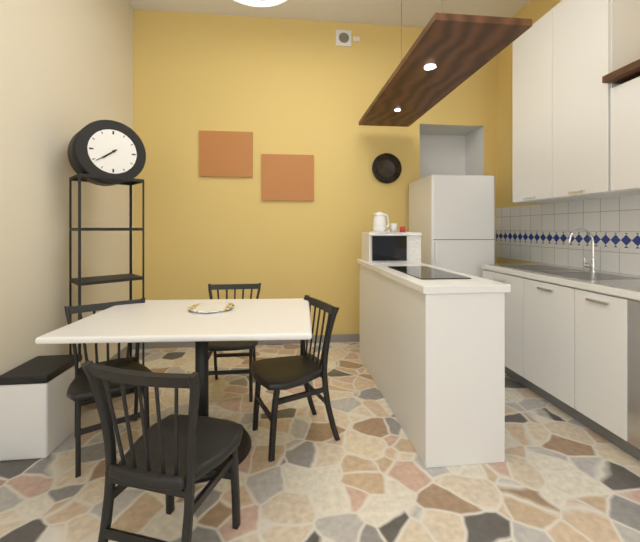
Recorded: {"hour": 7, "minute": 39}
